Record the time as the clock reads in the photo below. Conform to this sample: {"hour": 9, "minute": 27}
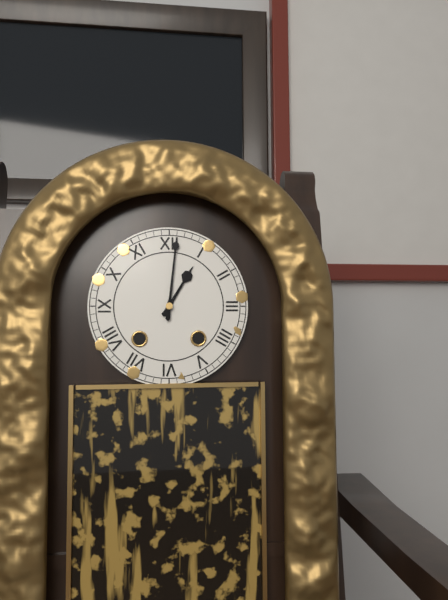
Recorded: {"hour": 1, "minute": 1}
